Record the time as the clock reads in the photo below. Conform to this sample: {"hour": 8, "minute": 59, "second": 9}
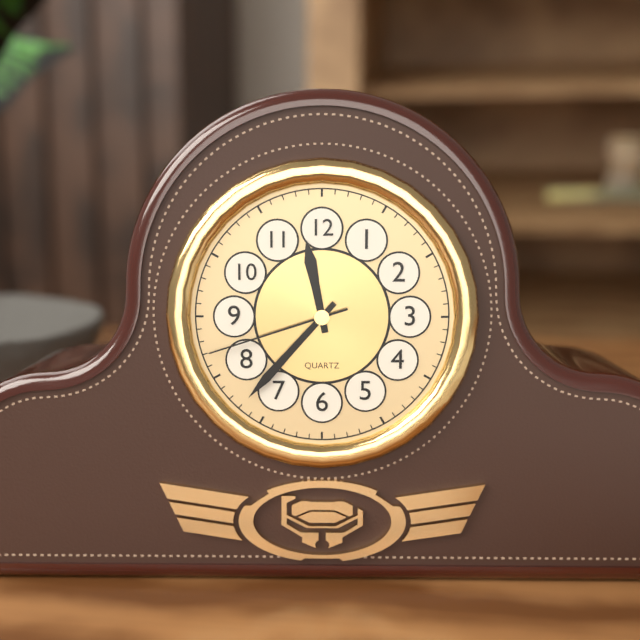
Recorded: {"hour": 11, "minute": 37, "second": 42}
